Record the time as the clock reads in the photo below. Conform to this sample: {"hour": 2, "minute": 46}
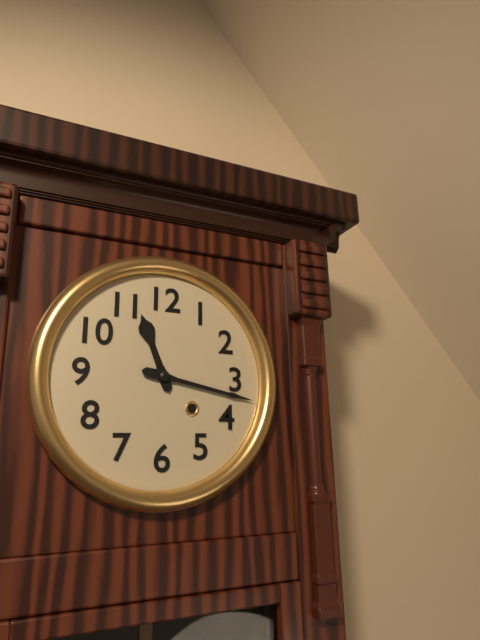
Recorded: {"hour": 11, "minute": 17}
